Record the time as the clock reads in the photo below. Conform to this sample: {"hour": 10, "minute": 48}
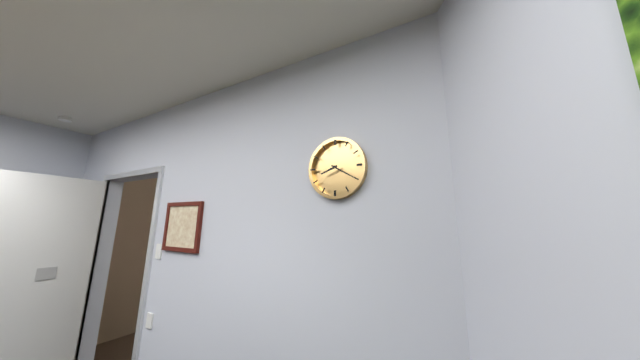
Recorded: {"hour": 8, "minute": 20}
